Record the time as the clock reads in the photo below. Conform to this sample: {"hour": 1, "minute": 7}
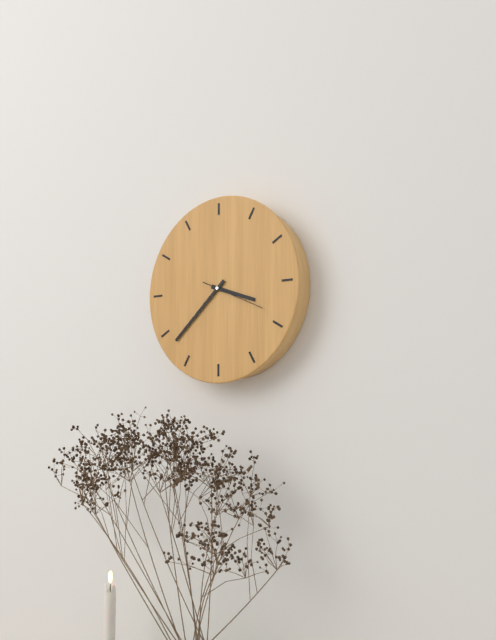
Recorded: {"hour": 3, "minute": 38}
